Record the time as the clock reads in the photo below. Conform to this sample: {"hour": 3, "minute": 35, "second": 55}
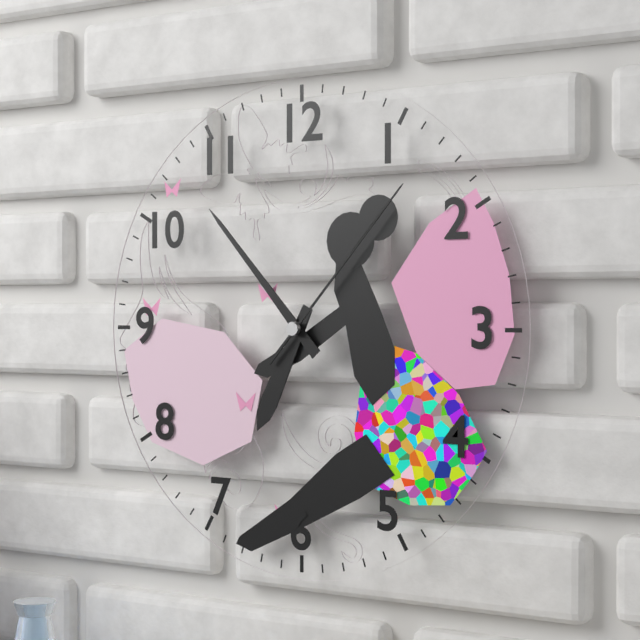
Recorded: {"hour": 6, "minute": 53, "second": 7}
